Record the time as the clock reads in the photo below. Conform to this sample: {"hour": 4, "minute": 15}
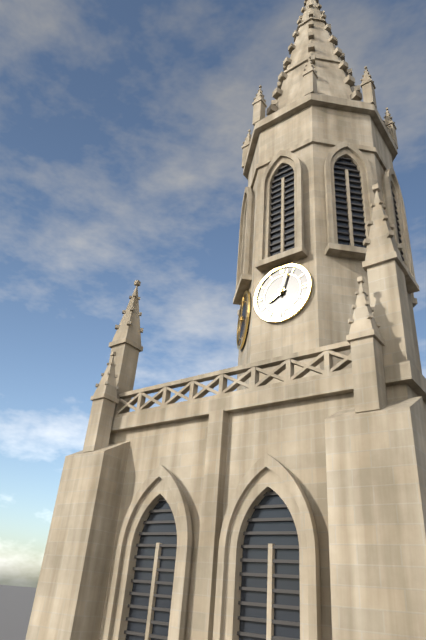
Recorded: {"hour": 8, "minute": 3}
